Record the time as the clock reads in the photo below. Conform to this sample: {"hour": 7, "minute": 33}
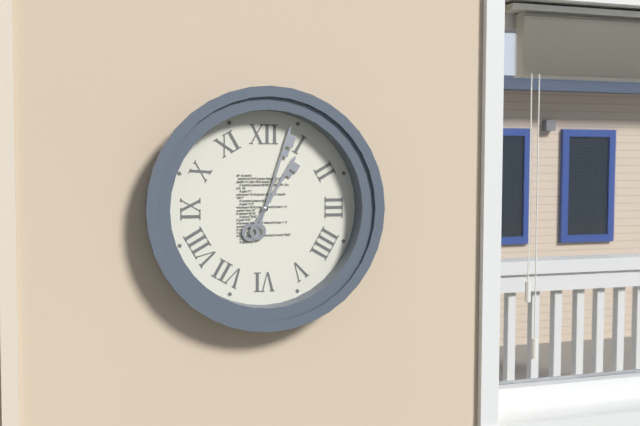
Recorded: {"hour": 1, "minute": 3}
